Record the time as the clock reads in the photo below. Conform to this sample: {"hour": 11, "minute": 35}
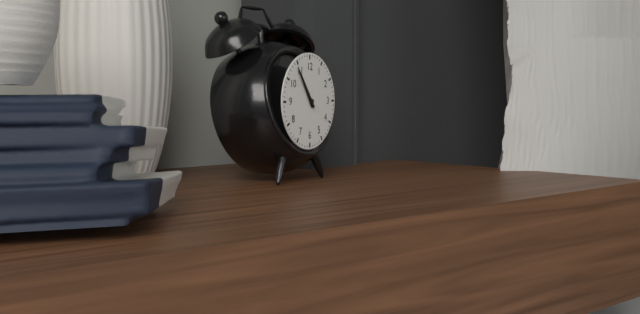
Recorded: {"hour": 10, "minute": 54}
